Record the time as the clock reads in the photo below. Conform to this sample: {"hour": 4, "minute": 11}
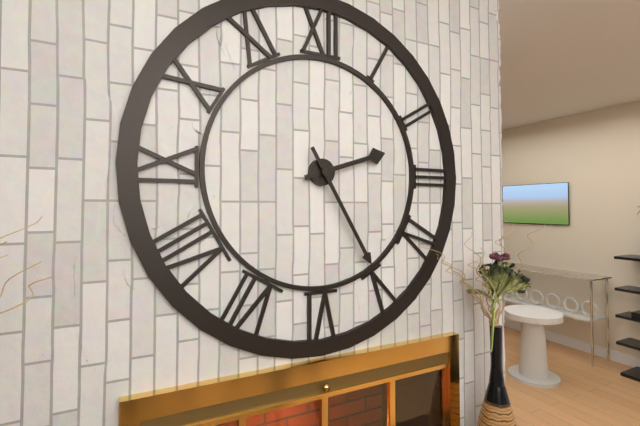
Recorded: {"hour": 2, "minute": 25}
